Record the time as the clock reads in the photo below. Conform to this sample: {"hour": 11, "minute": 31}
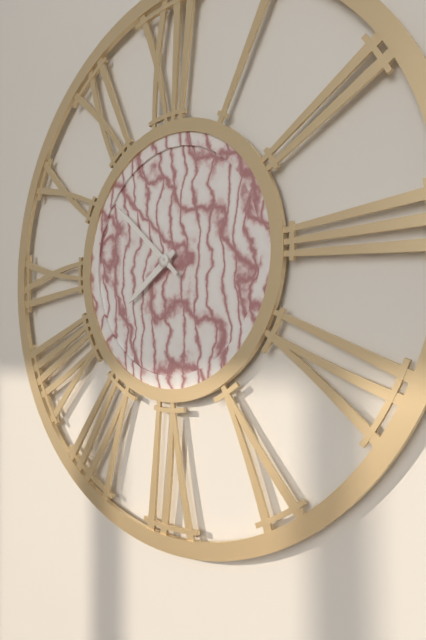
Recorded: {"hour": 7, "minute": 52}
